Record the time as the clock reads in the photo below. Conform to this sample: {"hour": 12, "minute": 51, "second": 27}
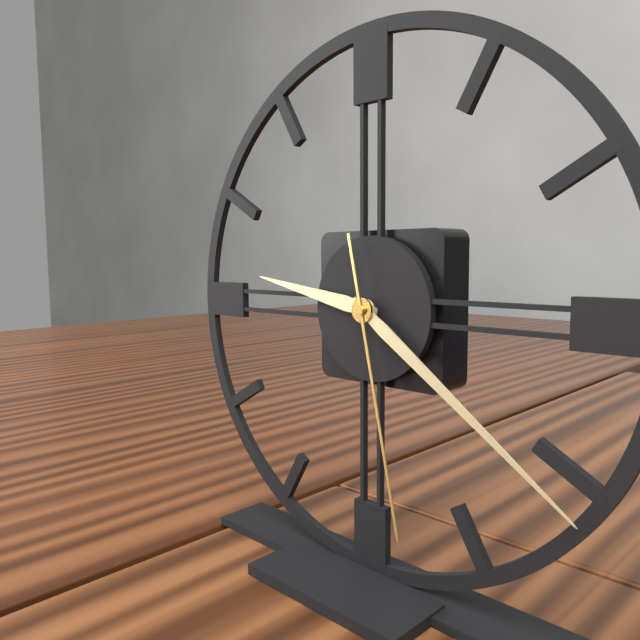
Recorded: {"hour": 9, "minute": 21, "second": 28}
